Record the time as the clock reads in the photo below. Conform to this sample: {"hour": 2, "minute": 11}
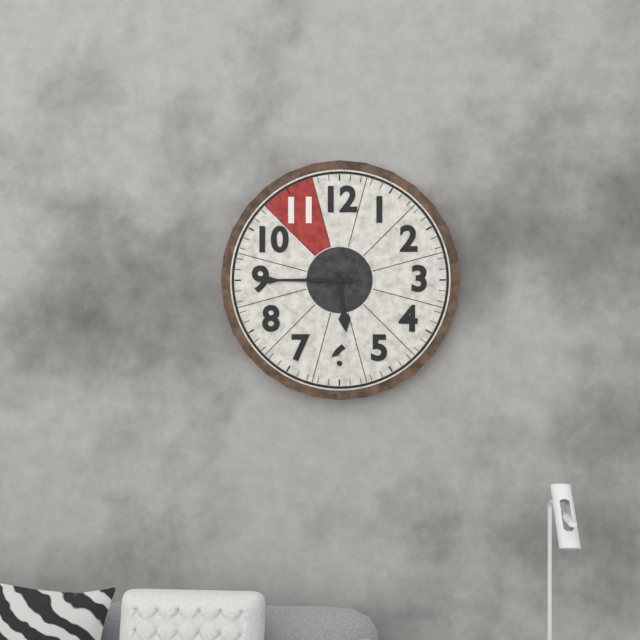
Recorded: {"hour": 5, "minute": 45}
